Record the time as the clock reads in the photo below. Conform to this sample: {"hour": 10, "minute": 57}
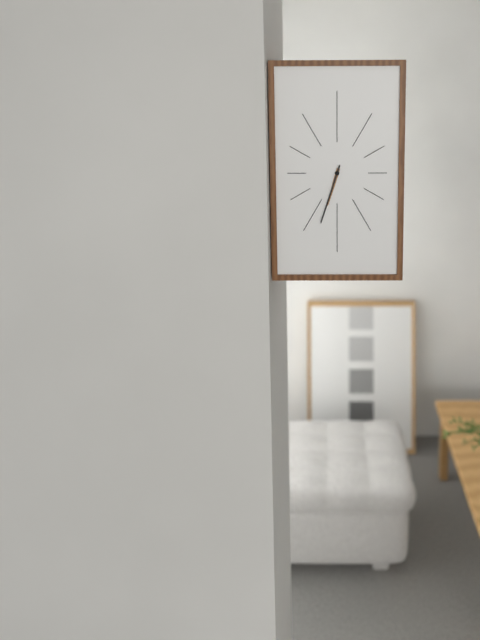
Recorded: {"hour": 6, "minute": 33}
